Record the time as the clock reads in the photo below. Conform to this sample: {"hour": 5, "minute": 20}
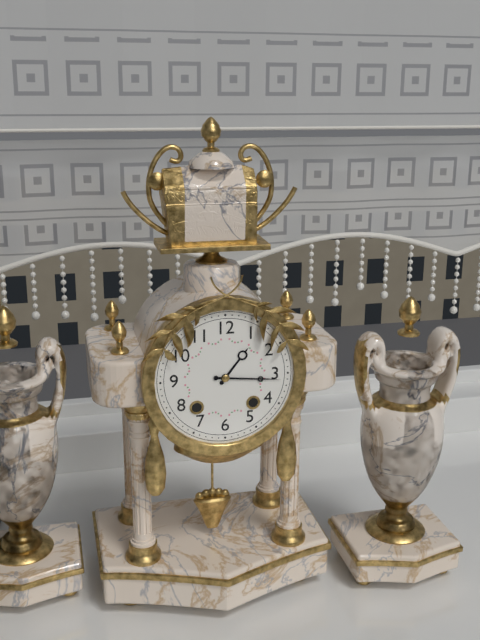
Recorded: {"hour": 1, "minute": 16}
